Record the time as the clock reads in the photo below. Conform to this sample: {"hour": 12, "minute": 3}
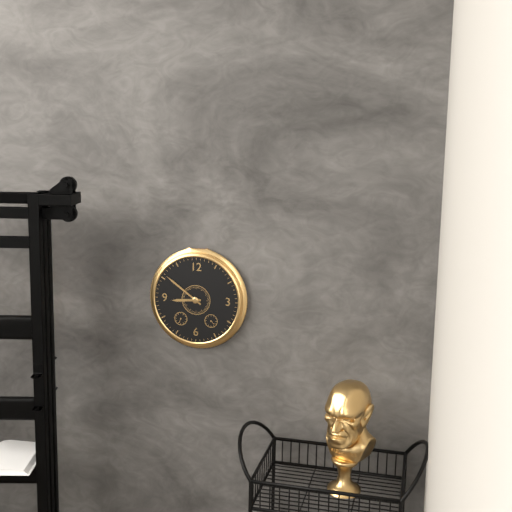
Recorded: {"hour": 8, "minute": 51}
